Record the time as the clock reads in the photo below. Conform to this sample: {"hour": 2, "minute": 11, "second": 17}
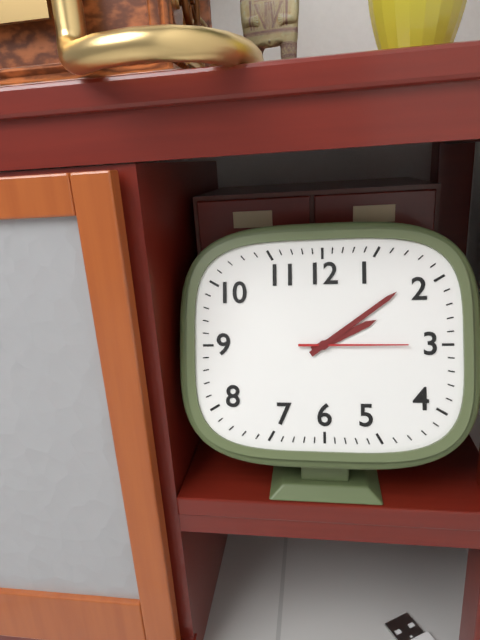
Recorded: {"hour": 2, "minute": 9, "second": 15}
